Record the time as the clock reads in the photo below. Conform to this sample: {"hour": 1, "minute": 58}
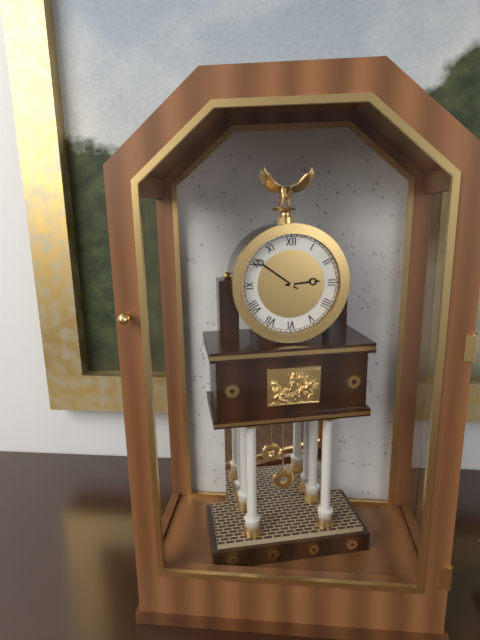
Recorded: {"hour": 2, "minute": 51}
